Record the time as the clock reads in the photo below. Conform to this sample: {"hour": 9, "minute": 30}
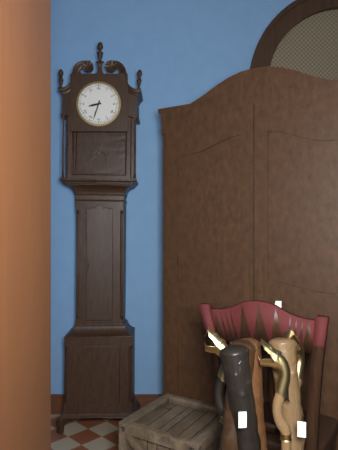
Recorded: {"hour": 8, "minute": 33}
